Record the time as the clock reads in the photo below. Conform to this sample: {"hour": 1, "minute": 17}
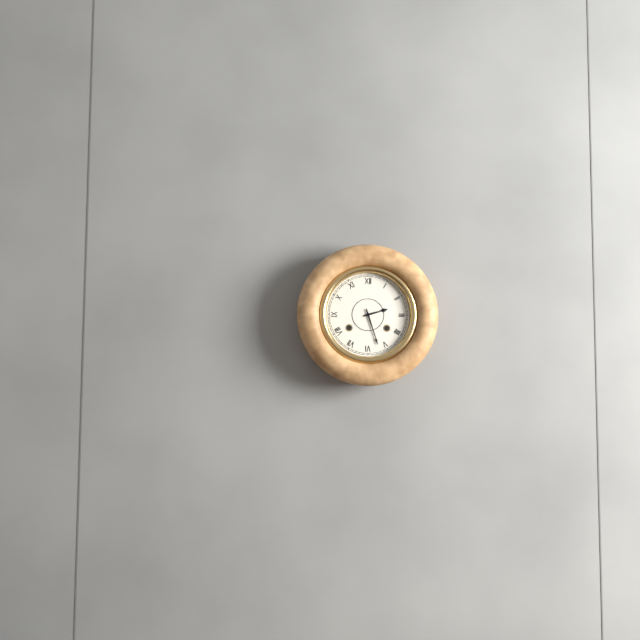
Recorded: {"hour": 2, "minute": 27}
